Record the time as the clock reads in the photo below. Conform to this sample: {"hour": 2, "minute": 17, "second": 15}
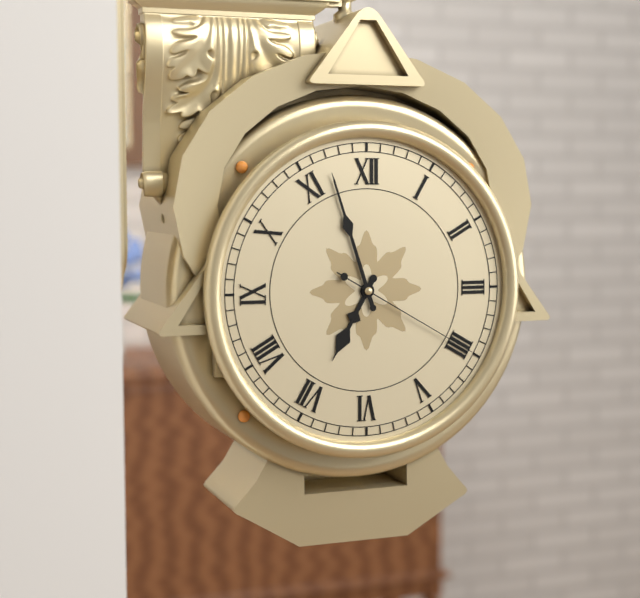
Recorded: {"hour": 6, "minute": 57, "second": 20}
